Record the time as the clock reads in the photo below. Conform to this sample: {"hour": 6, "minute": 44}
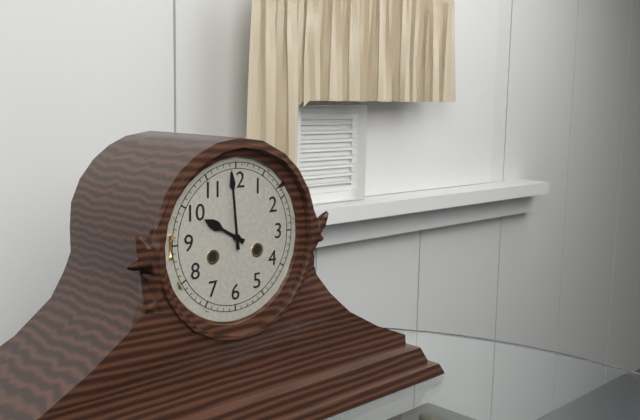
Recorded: {"hour": 9, "minute": 59}
